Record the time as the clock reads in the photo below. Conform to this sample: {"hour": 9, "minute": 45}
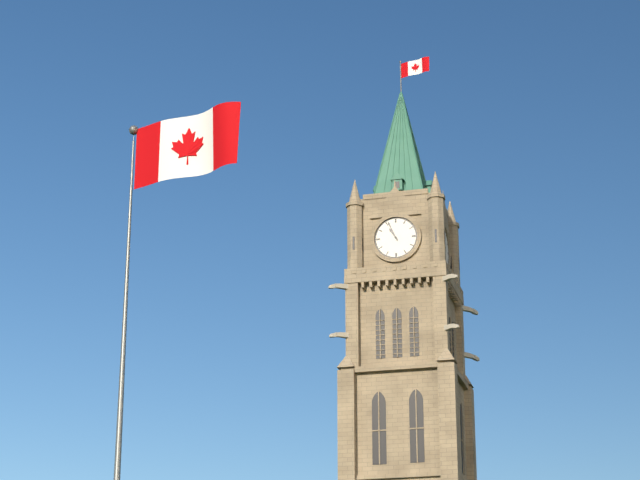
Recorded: {"hour": 10, "minute": 56}
